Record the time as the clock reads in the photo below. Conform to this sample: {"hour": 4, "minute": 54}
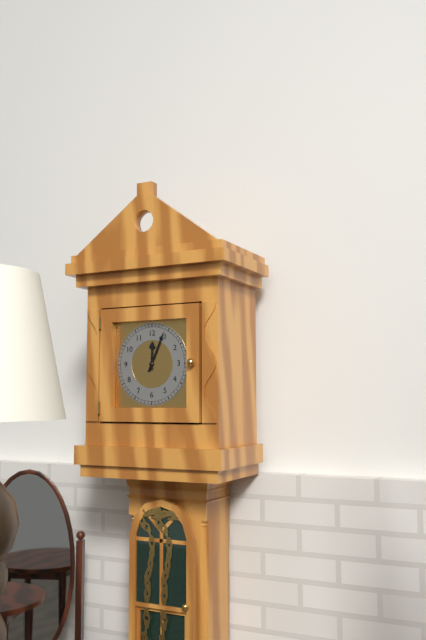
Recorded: {"hour": 12, "minute": 4}
